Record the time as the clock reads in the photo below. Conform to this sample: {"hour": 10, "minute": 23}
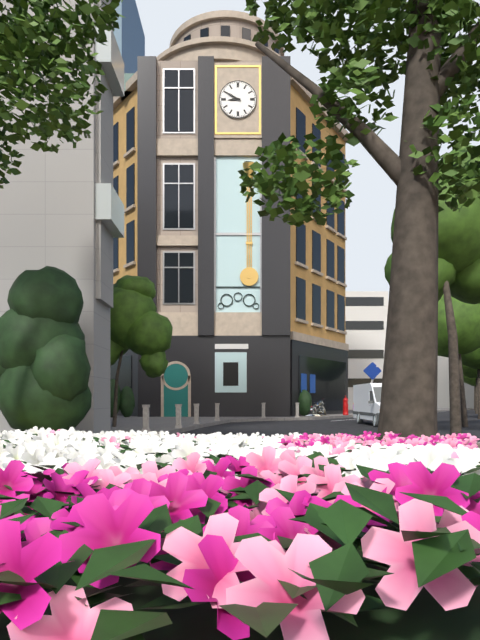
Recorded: {"hour": 8, "minute": 50}
